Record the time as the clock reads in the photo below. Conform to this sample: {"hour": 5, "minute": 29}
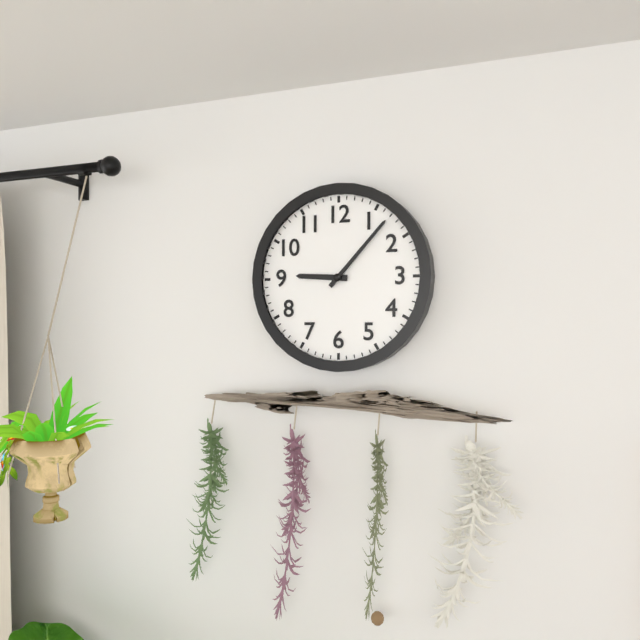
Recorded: {"hour": 9, "minute": 7}
